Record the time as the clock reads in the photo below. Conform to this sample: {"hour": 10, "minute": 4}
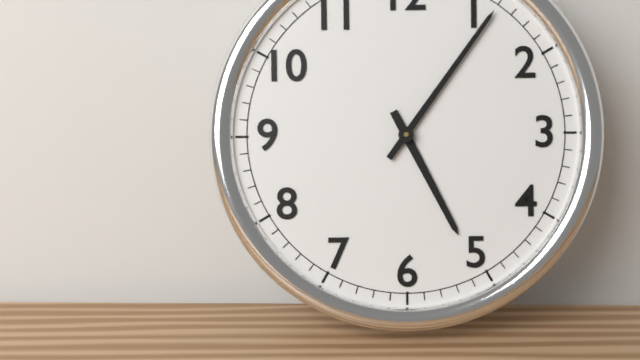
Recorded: {"hour": 5, "minute": 6}
